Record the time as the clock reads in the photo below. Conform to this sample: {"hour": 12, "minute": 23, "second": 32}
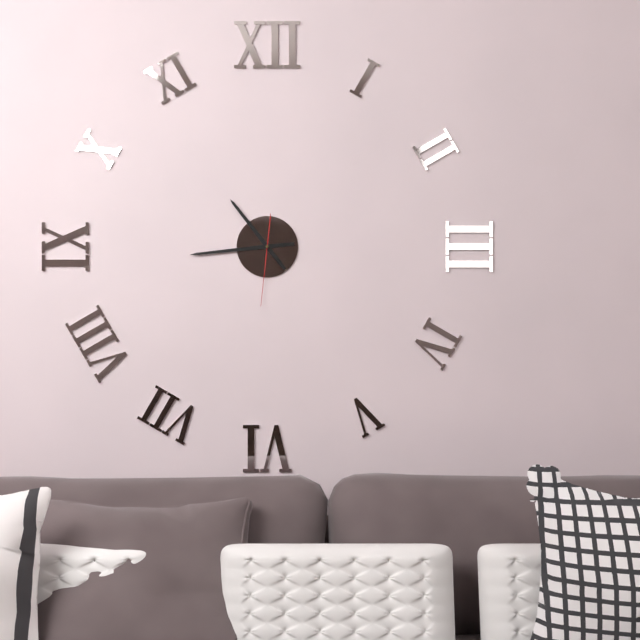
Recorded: {"hour": 10, "minute": 44, "second": 31}
